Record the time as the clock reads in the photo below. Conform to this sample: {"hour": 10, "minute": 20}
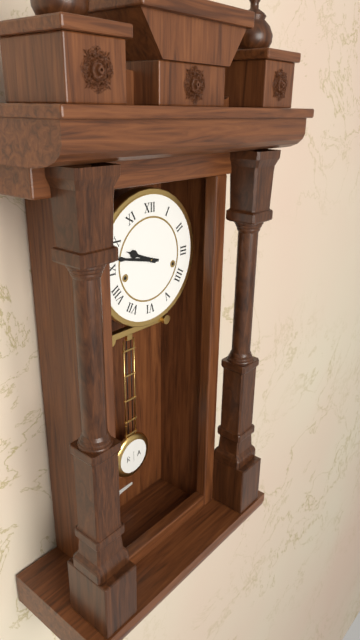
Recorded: {"hour": 9, "minute": 47}
